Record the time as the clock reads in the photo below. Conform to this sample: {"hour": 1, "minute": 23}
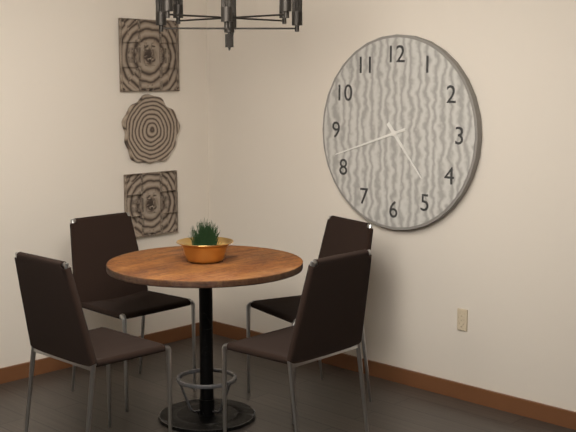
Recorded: {"hour": 4, "minute": 42}
